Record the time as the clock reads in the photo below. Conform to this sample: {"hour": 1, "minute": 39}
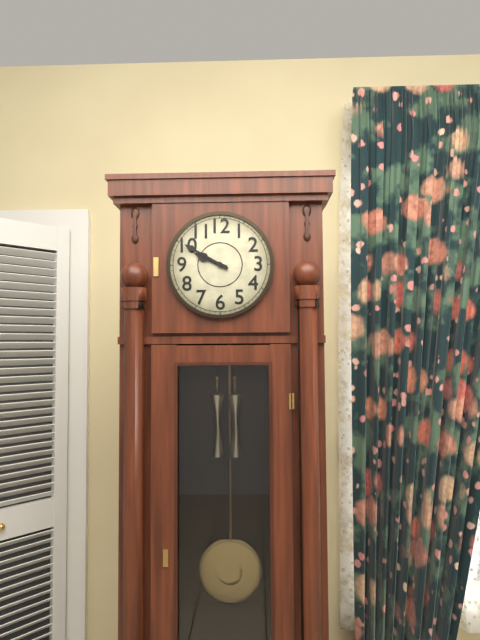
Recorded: {"hour": 9, "minute": 50}
